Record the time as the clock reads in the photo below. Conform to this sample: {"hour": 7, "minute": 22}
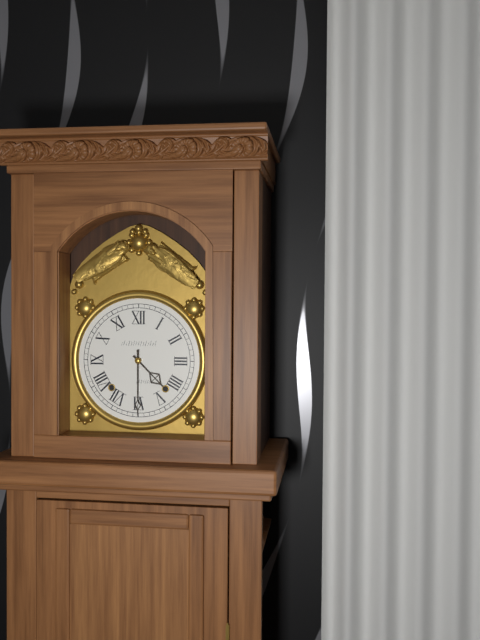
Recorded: {"hour": 4, "minute": 30}
